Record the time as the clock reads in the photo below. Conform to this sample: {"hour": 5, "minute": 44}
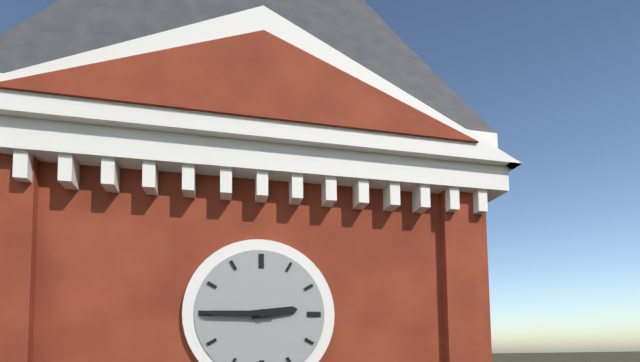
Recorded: {"hour": 2, "minute": 45}
